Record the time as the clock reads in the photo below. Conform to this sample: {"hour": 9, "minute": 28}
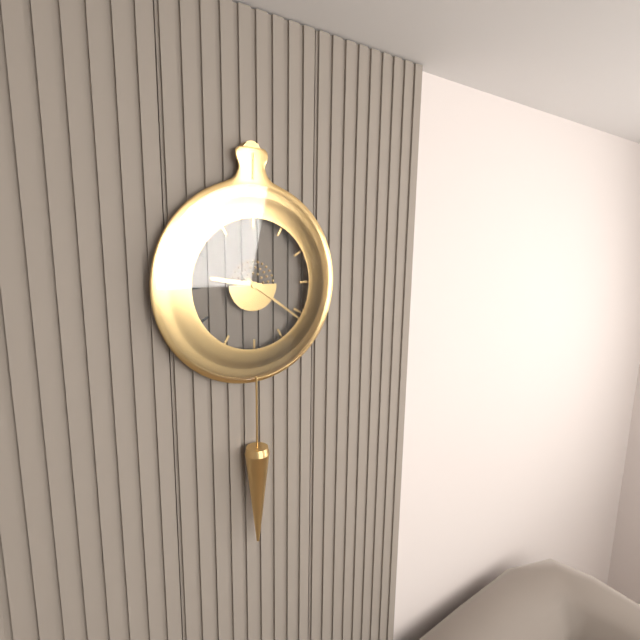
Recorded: {"hour": 9, "minute": 21}
